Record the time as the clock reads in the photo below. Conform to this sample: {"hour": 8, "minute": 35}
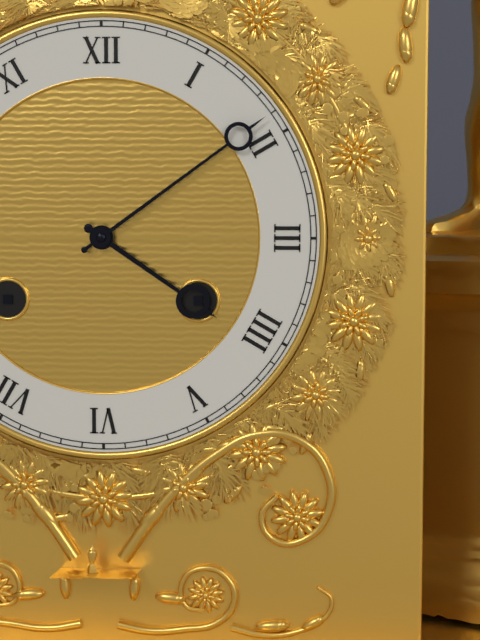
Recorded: {"hour": 4, "minute": 9}
